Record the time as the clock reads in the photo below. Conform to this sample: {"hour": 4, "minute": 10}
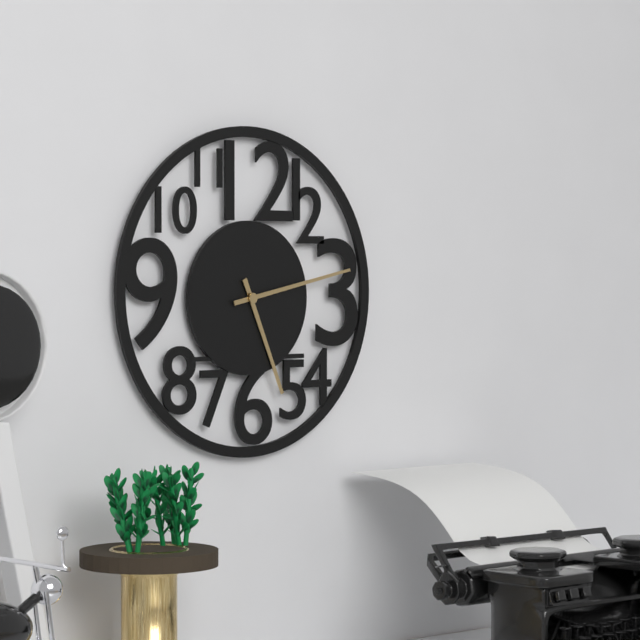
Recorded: {"hour": 5, "minute": 13}
